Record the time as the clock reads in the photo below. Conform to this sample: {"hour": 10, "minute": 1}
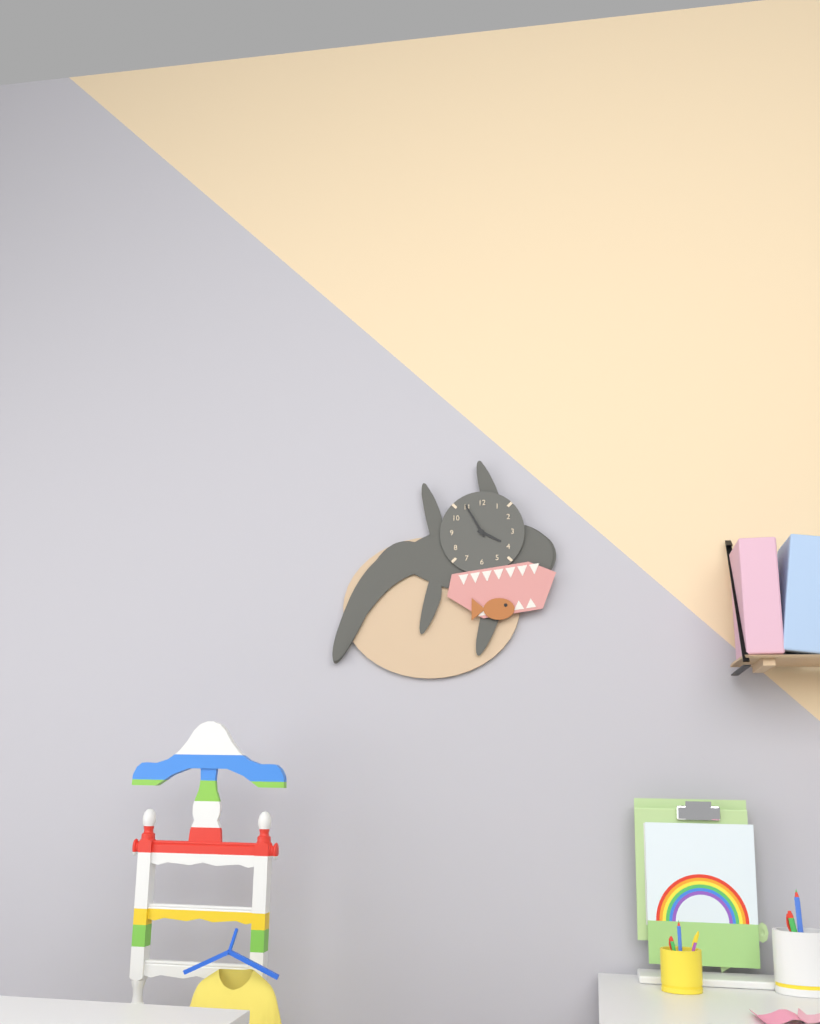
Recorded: {"hour": 3, "minute": 55}
